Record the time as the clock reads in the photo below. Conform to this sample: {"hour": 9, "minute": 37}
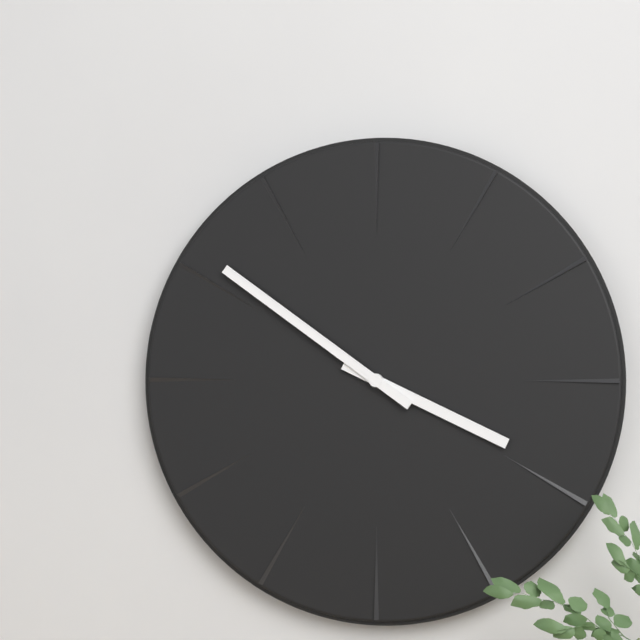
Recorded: {"hour": 3, "minute": 51}
